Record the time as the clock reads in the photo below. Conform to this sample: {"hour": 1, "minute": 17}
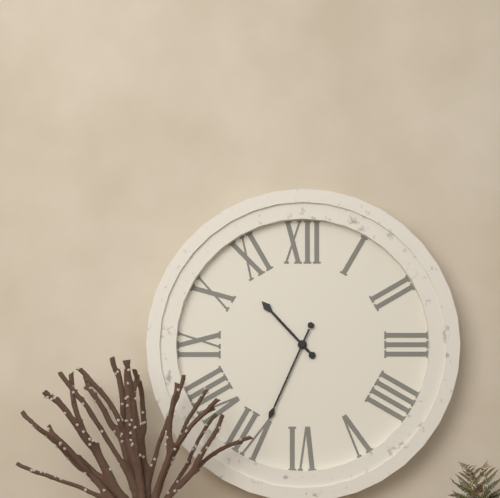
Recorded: {"hour": 10, "minute": 34}
